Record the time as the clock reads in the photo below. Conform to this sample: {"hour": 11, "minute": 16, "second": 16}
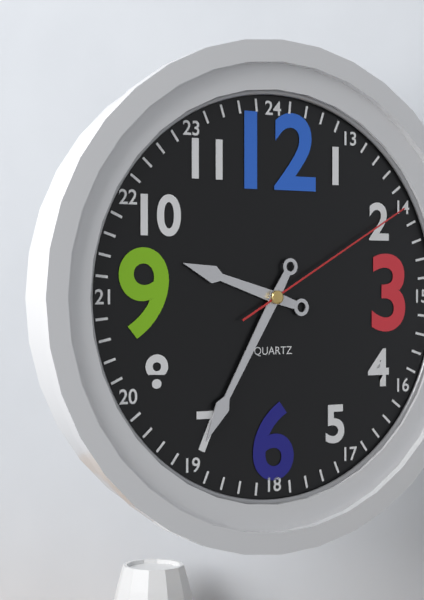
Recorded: {"hour": 9, "minute": 35, "second": 10}
